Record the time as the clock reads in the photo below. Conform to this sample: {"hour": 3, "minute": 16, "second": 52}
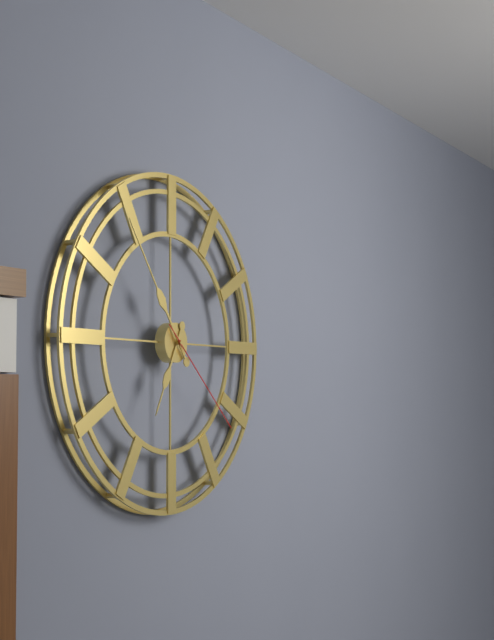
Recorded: {"hour": 6, "minute": 54, "second": 22}
